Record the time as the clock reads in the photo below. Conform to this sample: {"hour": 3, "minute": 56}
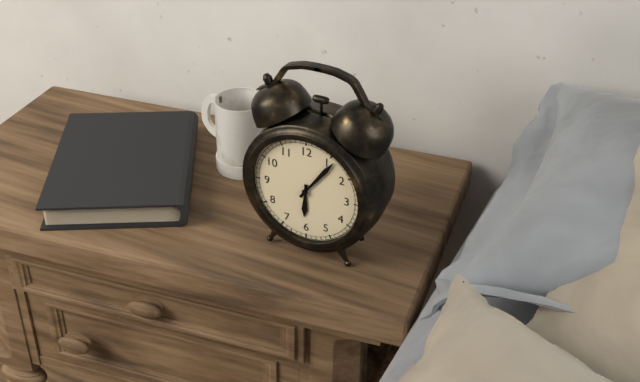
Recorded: {"hour": 6, "minute": 6}
